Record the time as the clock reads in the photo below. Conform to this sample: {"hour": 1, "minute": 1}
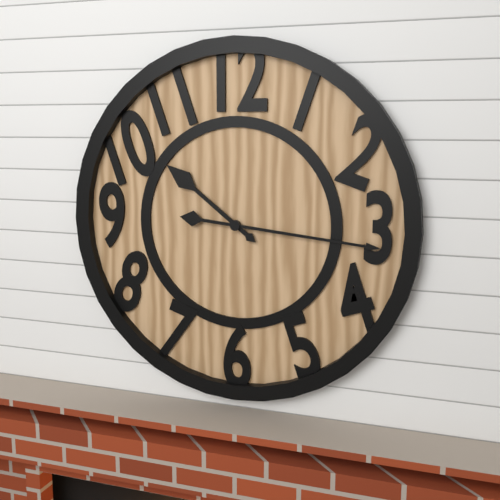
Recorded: {"hour": 10, "minute": 16}
